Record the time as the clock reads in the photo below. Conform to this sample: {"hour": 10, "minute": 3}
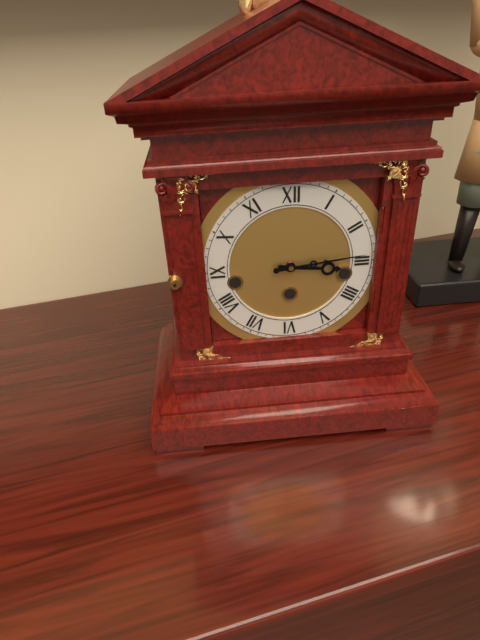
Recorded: {"hour": 3, "minute": 14}
